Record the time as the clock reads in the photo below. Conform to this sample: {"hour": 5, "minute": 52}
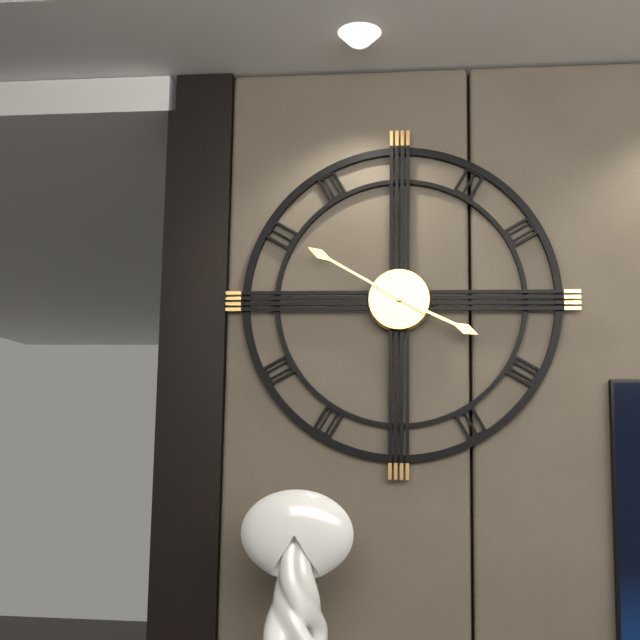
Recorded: {"hour": 3, "minute": 50}
